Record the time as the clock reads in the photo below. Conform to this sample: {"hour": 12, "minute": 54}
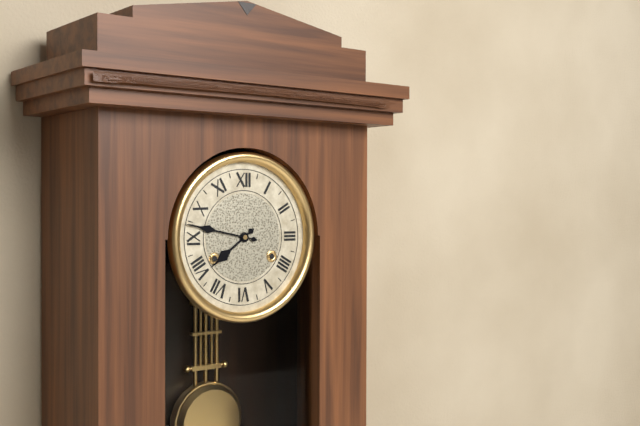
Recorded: {"hour": 7, "minute": 47}
